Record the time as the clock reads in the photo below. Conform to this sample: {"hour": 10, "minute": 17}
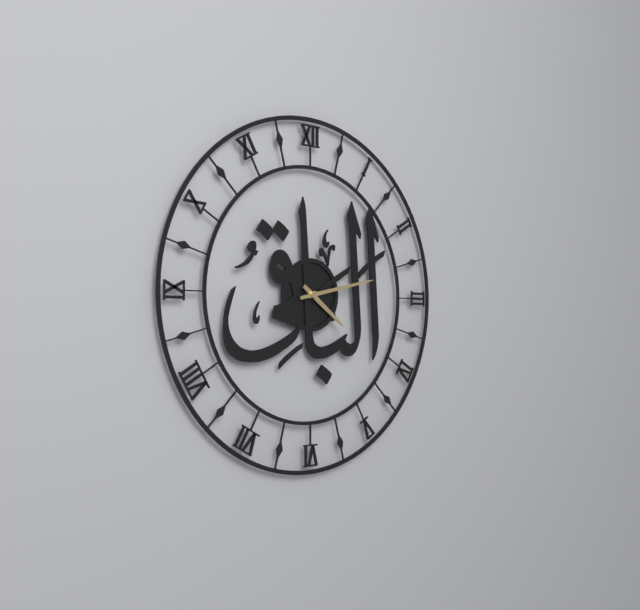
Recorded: {"hour": 4, "minute": 13}
